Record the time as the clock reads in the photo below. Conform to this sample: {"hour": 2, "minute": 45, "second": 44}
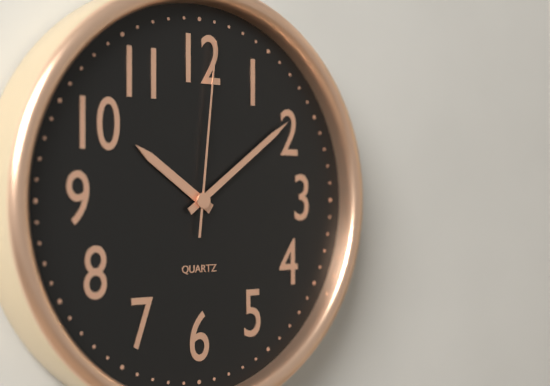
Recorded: {"hour": 10, "minute": 9, "second": 1}
